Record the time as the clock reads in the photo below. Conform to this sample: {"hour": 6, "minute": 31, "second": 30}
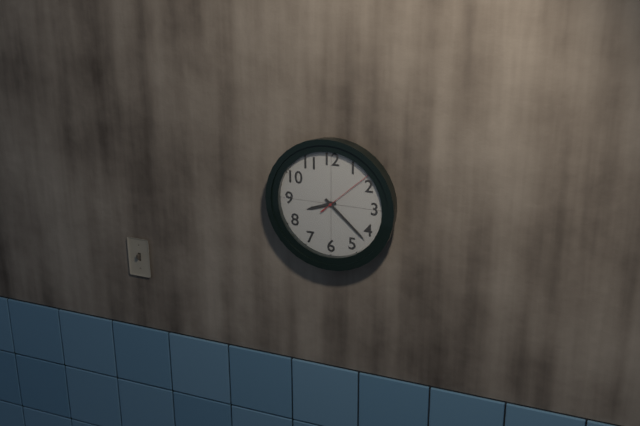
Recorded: {"hour": 8, "minute": 22, "second": 8}
